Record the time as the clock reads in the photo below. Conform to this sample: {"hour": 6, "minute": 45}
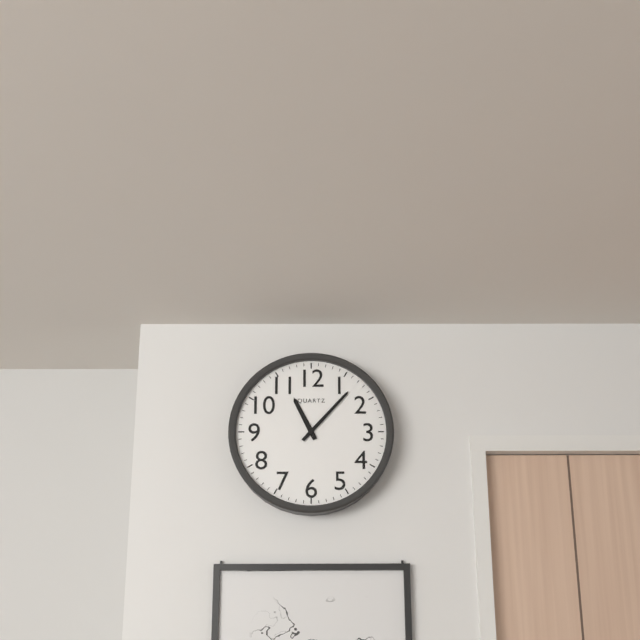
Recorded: {"hour": 11, "minute": 7}
